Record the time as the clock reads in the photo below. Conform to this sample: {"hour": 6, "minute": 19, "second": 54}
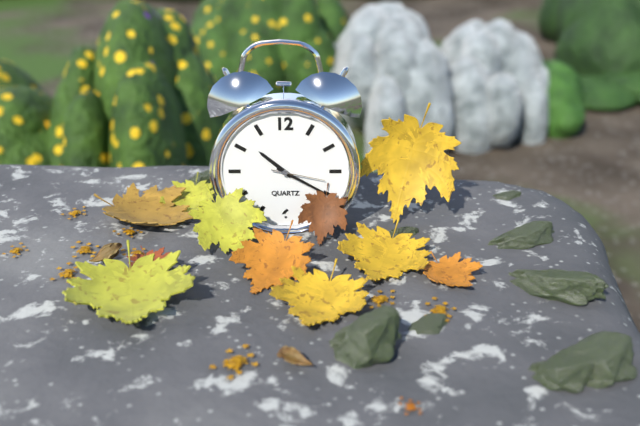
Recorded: {"hour": 10, "minute": 20, "second": 17}
